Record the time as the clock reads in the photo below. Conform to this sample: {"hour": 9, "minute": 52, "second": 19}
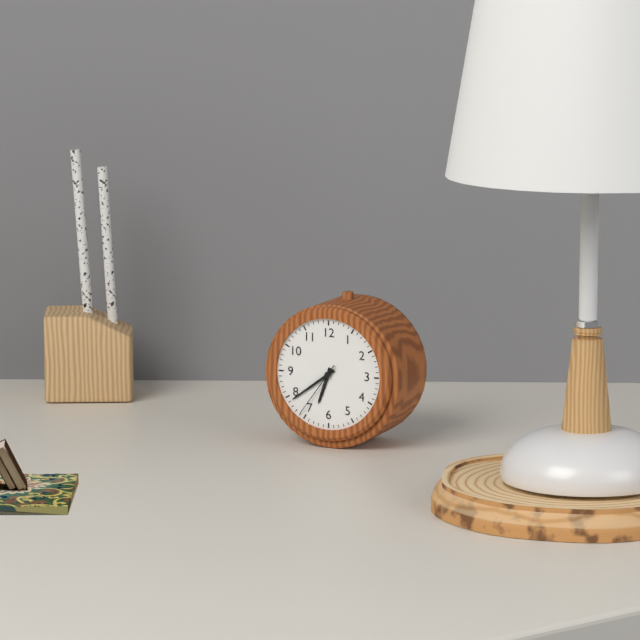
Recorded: {"hour": 6, "minute": 39, "second": 36}
